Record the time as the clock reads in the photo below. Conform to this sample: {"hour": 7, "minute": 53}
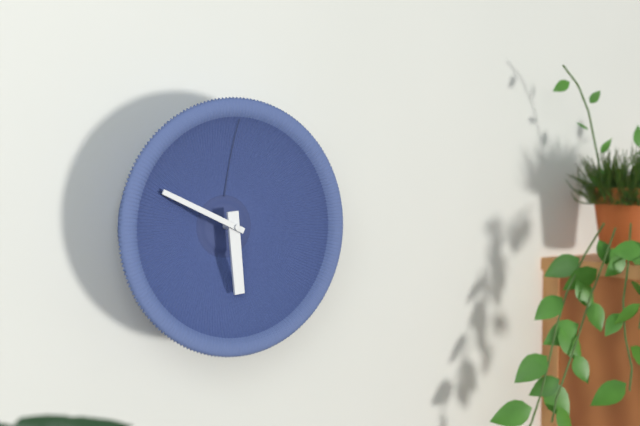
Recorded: {"hour": 5, "minute": 49}
